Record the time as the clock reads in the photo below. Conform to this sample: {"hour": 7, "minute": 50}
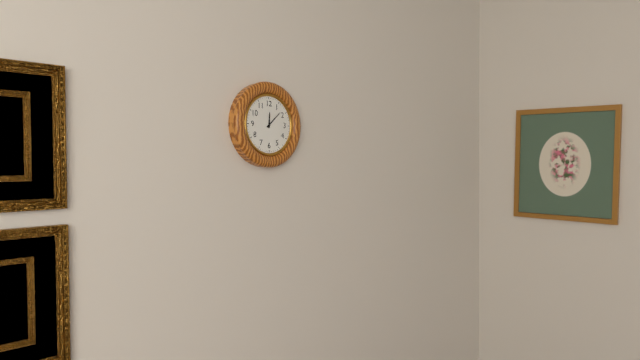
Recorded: {"hour": 12, "minute": 8}
